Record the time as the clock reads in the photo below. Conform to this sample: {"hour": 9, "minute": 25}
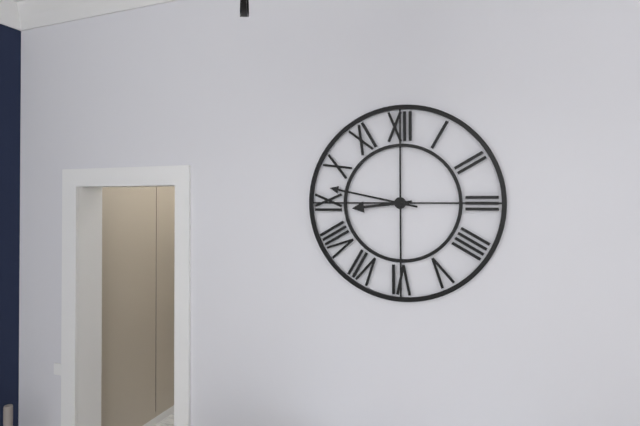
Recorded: {"hour": 8, "minute": 47}
